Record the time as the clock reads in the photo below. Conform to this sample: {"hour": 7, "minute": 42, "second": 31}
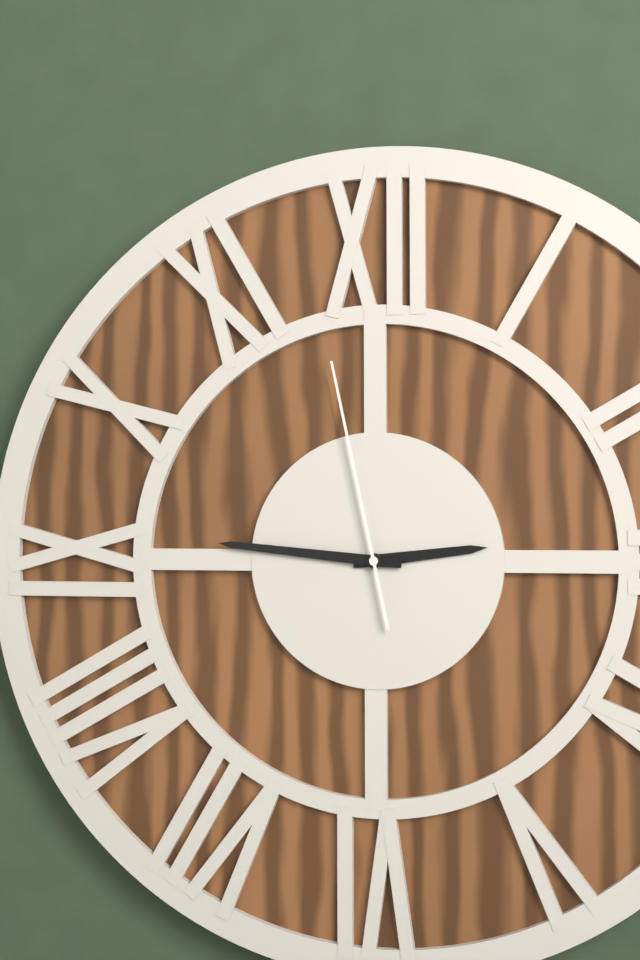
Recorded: {"hour": 2, "minute": 46, "second": 58}
